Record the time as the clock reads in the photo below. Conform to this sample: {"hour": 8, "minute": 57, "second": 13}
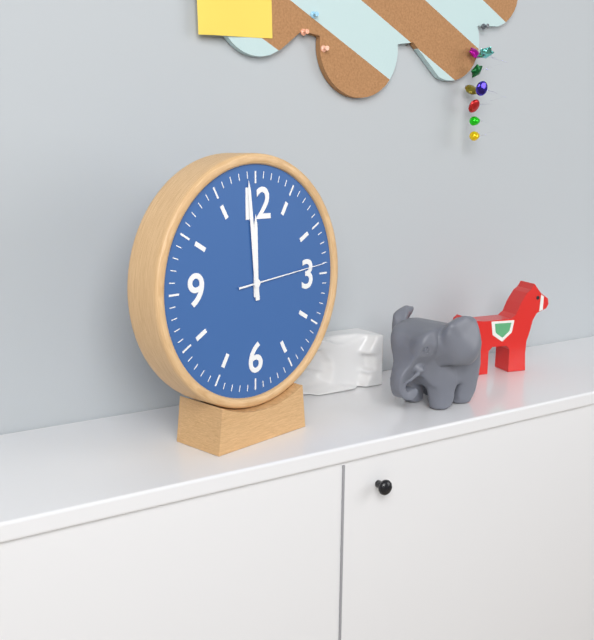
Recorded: {"hour": 11, "minute": 59, "second": 14}
